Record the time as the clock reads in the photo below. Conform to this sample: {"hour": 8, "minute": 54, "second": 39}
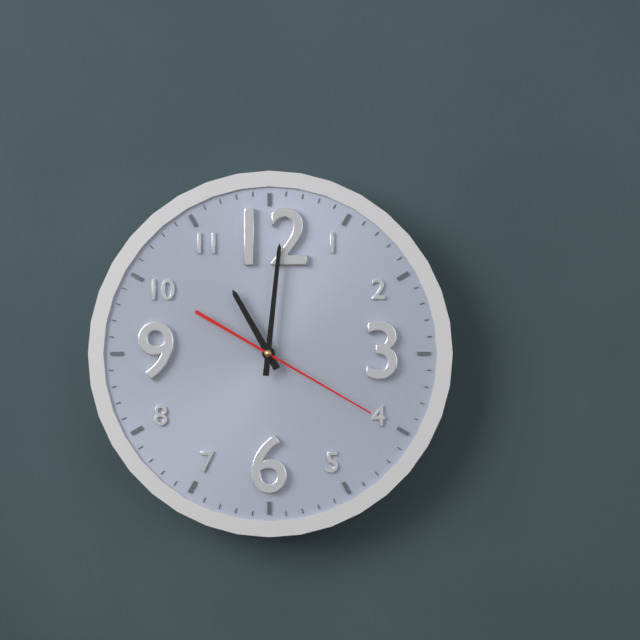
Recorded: {"hour": 11, "minute": 1, "second": 20}
